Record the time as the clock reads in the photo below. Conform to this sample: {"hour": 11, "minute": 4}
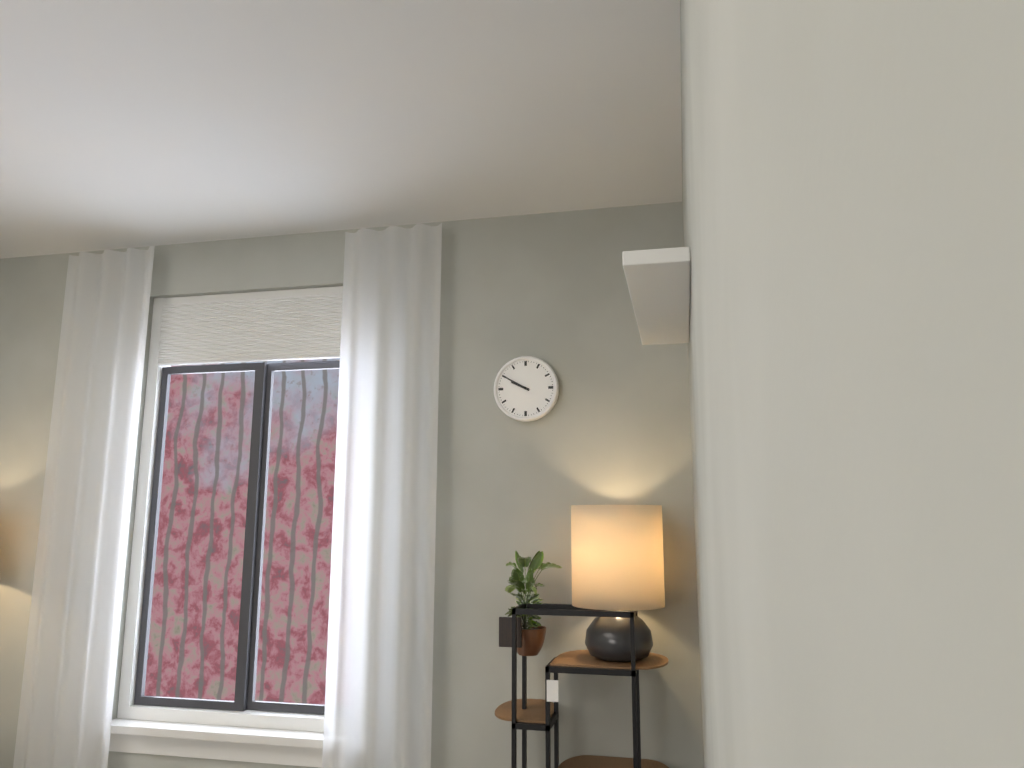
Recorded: {"hour": 9, "minute": 50}
